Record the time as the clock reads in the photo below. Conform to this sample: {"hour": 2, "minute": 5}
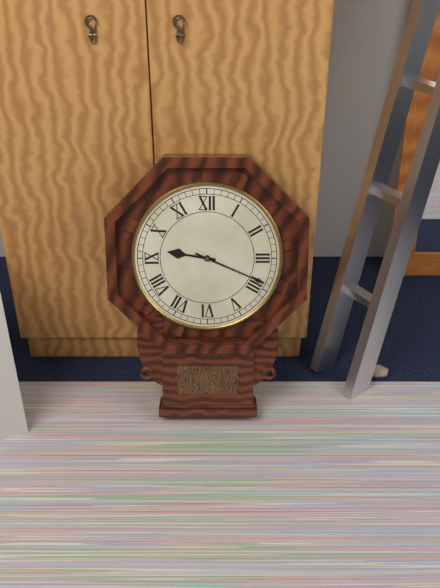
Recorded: {"hour": 9, "minute": 19}
